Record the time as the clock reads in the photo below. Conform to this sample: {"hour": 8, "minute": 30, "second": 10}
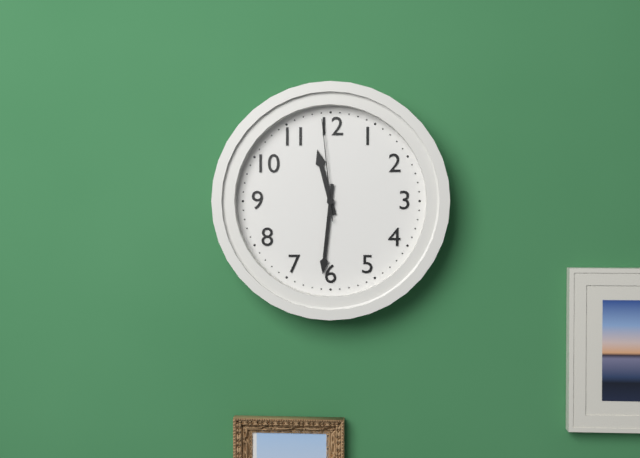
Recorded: {"hour": 11, "minute": 31, "second": 59}
